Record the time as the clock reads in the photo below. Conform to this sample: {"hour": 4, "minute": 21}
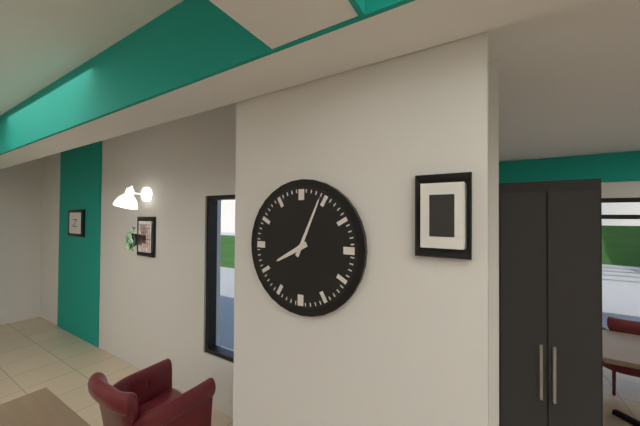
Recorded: {"hour": 8, "minute": 4}
